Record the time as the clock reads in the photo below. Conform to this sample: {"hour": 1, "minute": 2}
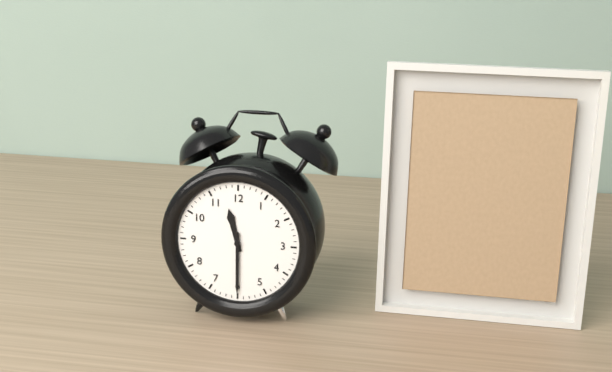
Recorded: {"hour": 11, "minute": 30}
